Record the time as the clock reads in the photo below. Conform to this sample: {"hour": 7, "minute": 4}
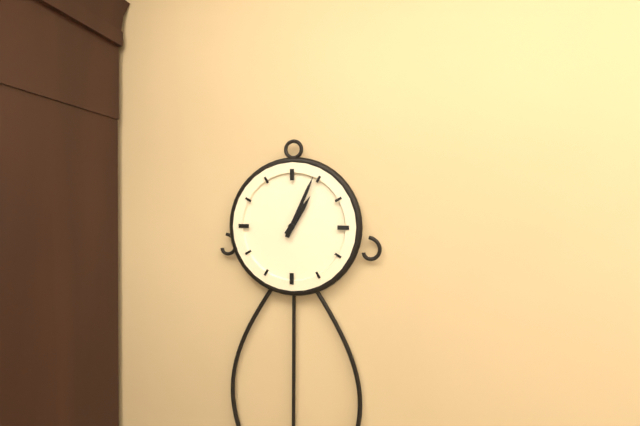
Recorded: {"hour": 1, "minute": 4}
